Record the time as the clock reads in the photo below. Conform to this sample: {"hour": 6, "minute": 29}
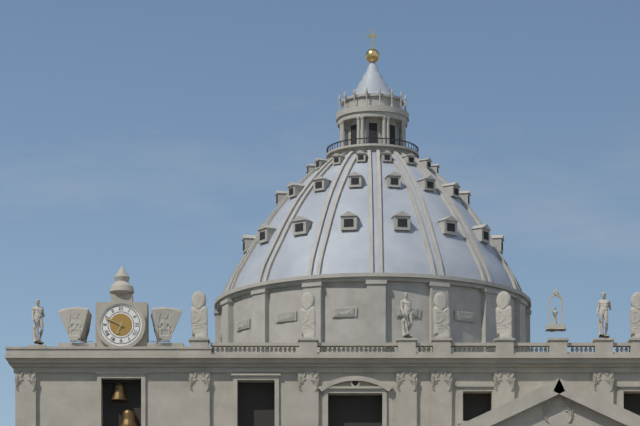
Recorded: {"hour": 6, "minute": 49}
